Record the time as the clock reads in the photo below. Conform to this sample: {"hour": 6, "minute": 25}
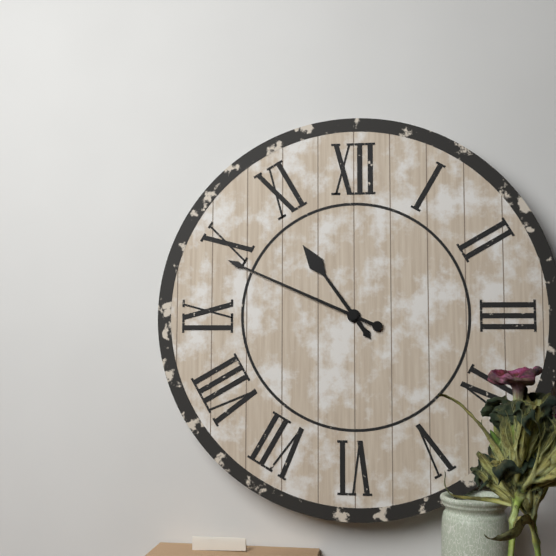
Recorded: {"hour": 10, "minute": 49}
